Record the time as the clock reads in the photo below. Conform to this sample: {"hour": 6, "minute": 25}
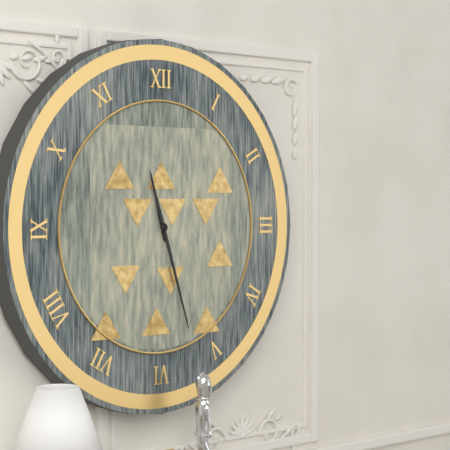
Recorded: {"hour": 11, "minute": 27}
